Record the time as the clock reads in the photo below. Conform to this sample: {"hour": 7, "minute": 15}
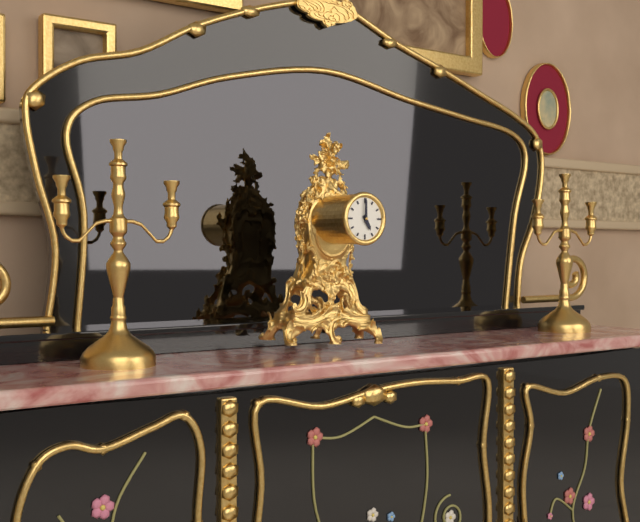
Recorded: {"hour": 5, "minute": 0}
